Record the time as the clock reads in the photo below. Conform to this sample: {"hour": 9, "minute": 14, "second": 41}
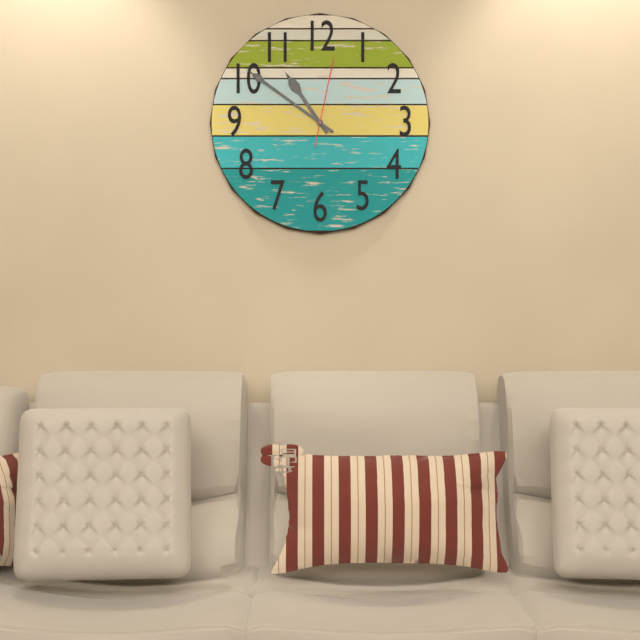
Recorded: {"hour": 10, "minute": 51, "second": 2}
